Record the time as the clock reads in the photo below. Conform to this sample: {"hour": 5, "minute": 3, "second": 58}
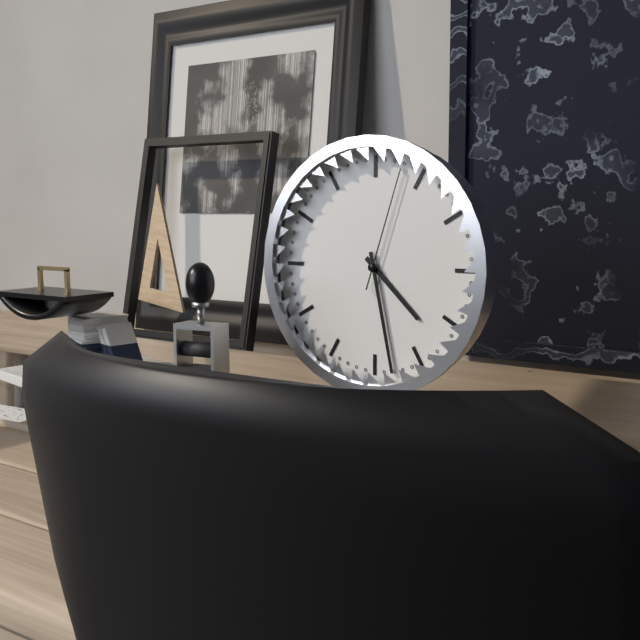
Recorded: {"hour": 4, "minute": 28, "second": 3}
